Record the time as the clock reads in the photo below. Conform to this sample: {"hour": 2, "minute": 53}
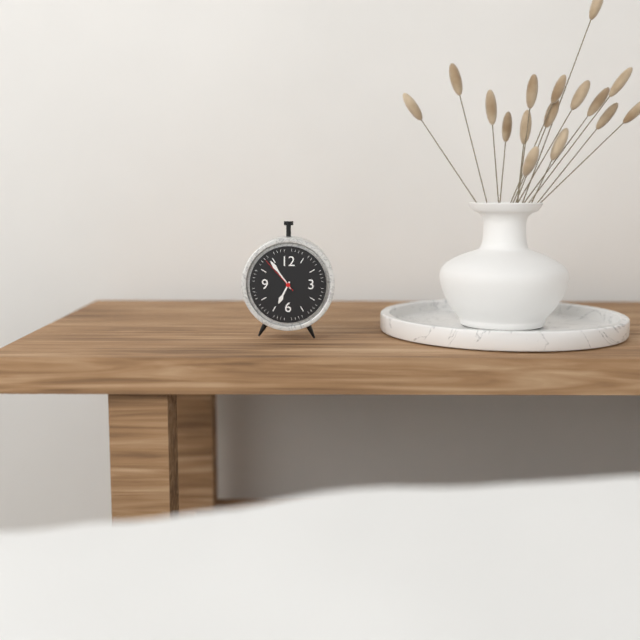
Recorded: {"hour": 6, "minute": 54}
